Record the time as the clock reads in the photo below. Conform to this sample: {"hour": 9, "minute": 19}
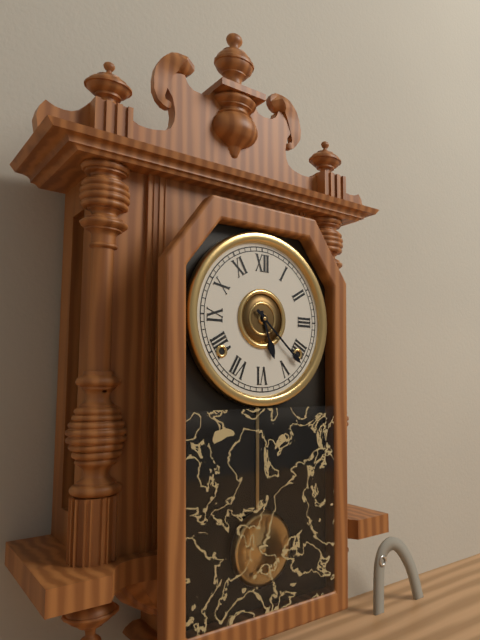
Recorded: {"hour": 5, "minute": 22}
